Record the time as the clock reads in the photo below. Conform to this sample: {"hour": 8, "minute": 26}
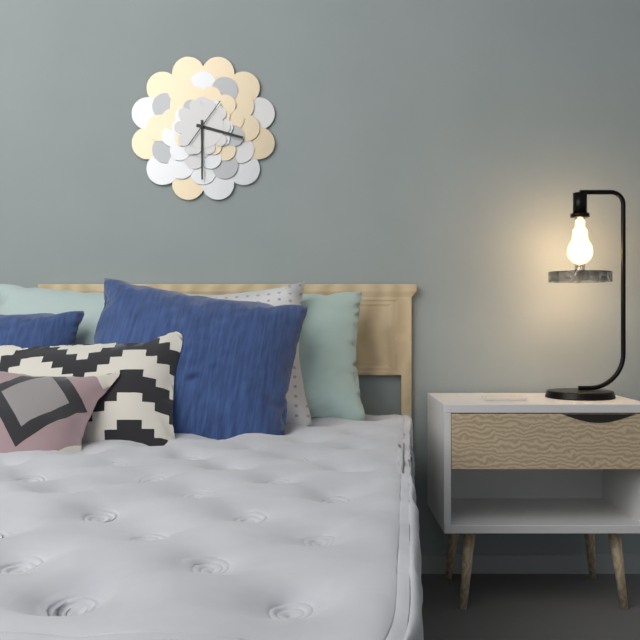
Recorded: {"hour": 3, "minute": 30}
